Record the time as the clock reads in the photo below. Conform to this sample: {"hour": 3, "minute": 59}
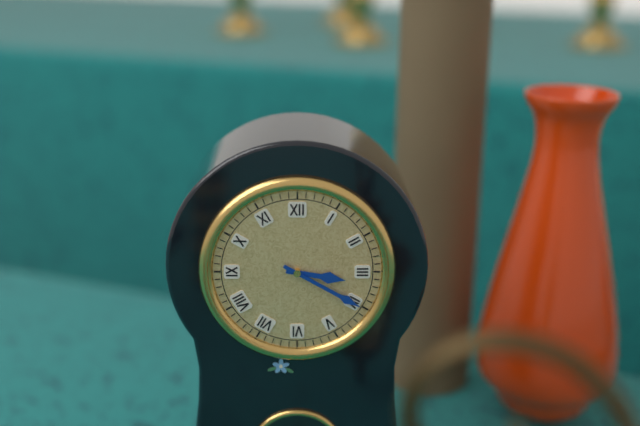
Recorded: {"hour": 3, "minute": 20}
